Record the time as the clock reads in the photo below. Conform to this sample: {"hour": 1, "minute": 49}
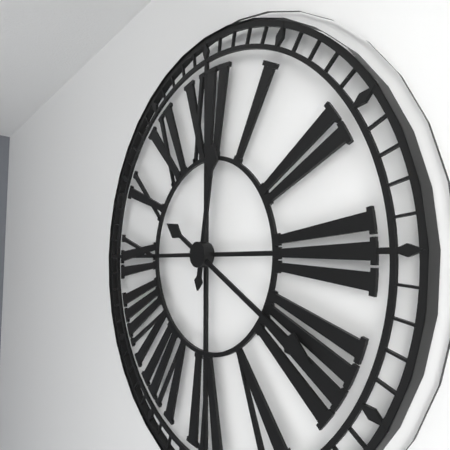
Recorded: {"hour": 12, "minute": 20}
